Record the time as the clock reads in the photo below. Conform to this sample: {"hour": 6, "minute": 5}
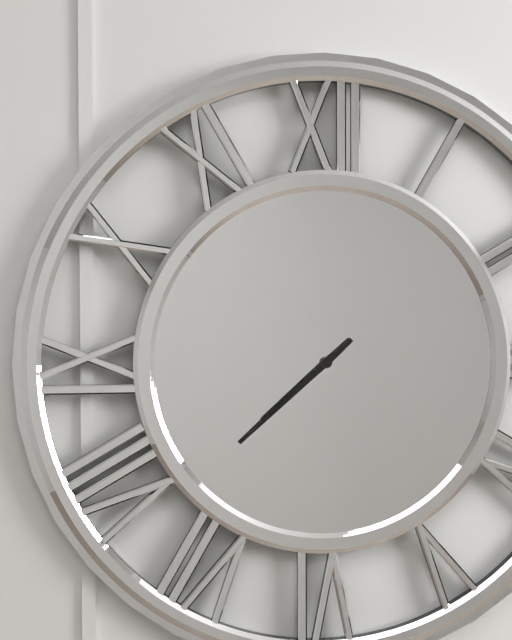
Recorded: {"hour": 7, "minute": 38}
